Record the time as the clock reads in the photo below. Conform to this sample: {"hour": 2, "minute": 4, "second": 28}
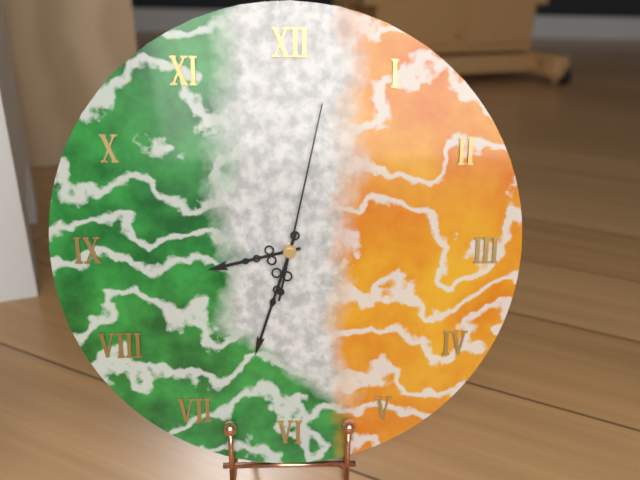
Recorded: {"hour": 8, "minute": 33, "second": 2}
